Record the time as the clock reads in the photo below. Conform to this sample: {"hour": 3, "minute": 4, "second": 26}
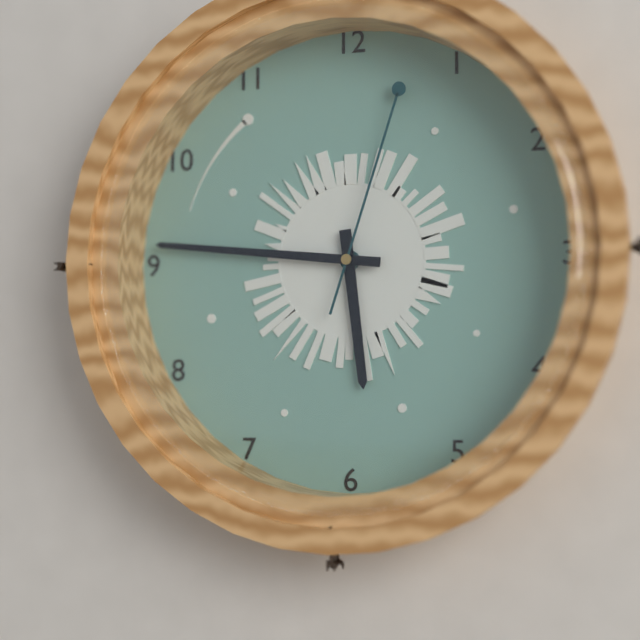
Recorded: {"hour": 5, "minute": 46, "second": 3}
